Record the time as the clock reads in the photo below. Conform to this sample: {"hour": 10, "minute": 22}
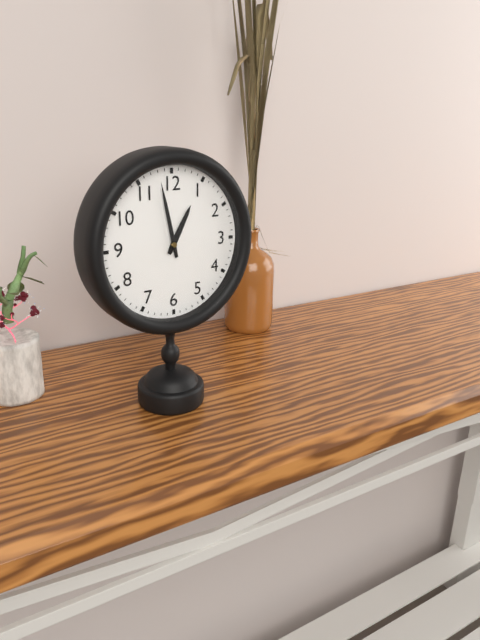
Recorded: {"hour": 12, "minute": 58}
